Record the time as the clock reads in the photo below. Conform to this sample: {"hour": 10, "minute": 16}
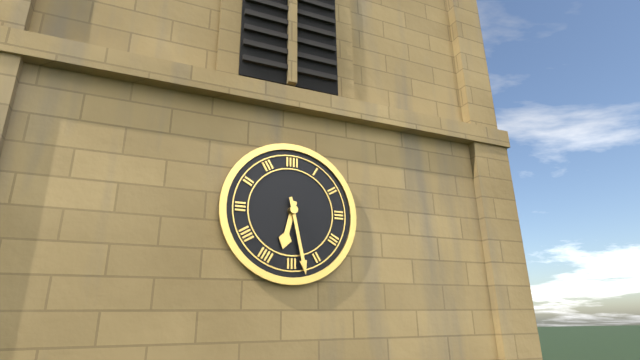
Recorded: {"hour": 6, "minute": 28}
